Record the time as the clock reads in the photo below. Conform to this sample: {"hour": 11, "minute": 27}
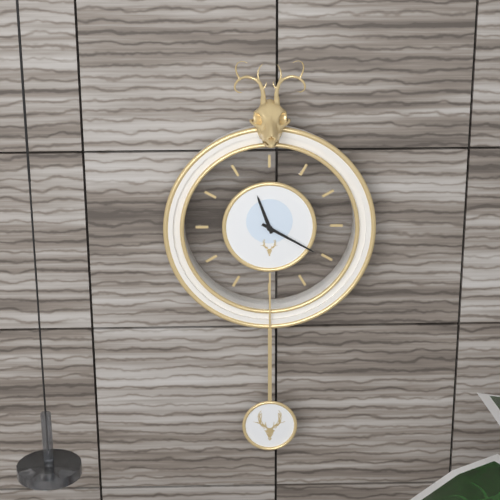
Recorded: {"hour": 11, "minute": 20}
